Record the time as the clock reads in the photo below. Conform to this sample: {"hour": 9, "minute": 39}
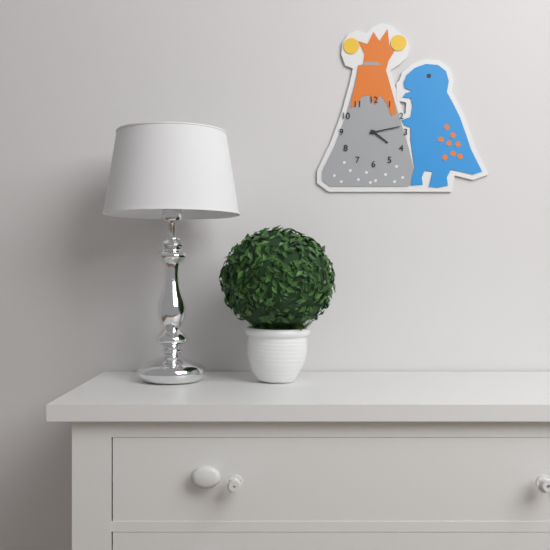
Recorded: {"hour": 4, "minute": 13}
